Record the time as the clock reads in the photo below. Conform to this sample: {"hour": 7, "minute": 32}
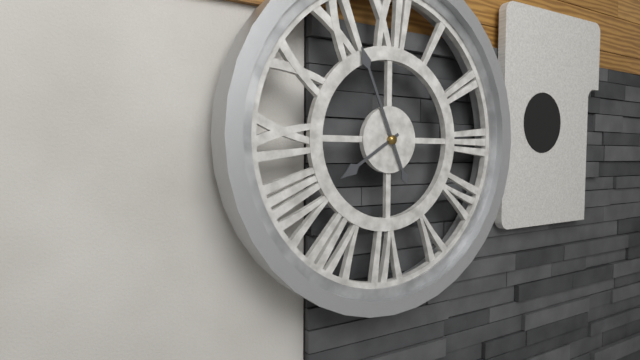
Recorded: {"hour": 7, "minute": 56}
